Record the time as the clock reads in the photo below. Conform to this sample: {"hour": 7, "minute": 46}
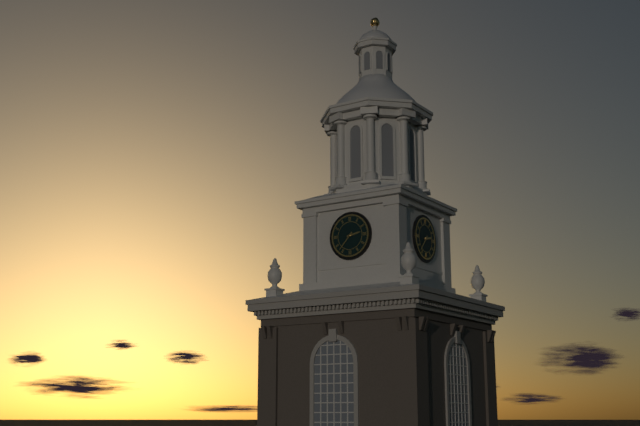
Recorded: {"hour": 2, "minute": 37}
